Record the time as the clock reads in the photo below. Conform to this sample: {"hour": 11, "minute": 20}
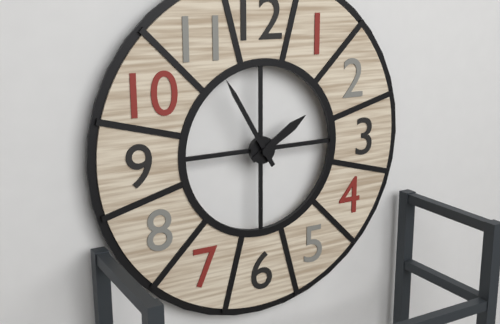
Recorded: {"hour": 1, "minute": 55}
